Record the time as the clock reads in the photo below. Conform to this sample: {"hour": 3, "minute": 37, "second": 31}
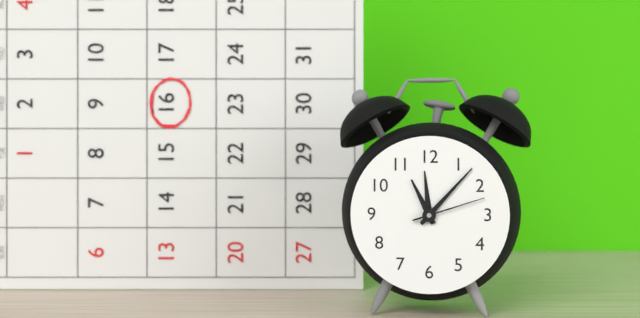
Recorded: {"hour": 11, "minute": 7, "second": 12}
